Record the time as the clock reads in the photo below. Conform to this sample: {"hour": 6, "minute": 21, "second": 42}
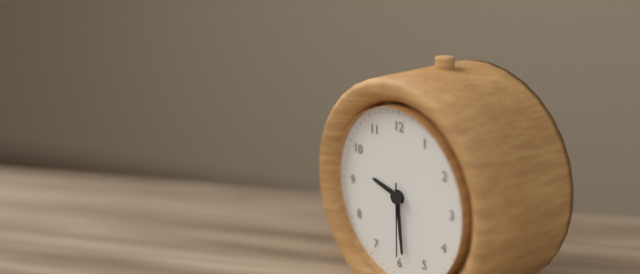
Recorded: {"hour": 9, "minute": 29, "second": 30}
